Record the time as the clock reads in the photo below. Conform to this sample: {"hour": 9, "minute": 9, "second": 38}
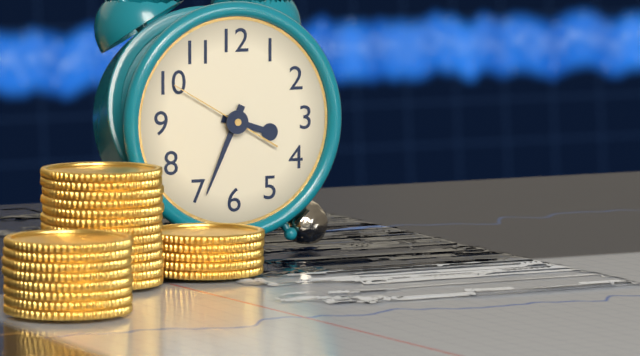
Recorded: {"hour": 3, "minute": 34, "second": 50}
